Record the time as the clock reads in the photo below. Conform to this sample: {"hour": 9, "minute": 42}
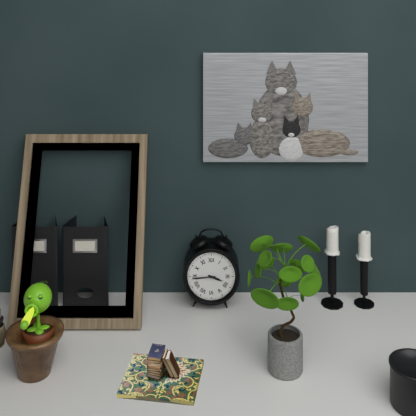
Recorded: {"hour": 3, "minute": 44}
